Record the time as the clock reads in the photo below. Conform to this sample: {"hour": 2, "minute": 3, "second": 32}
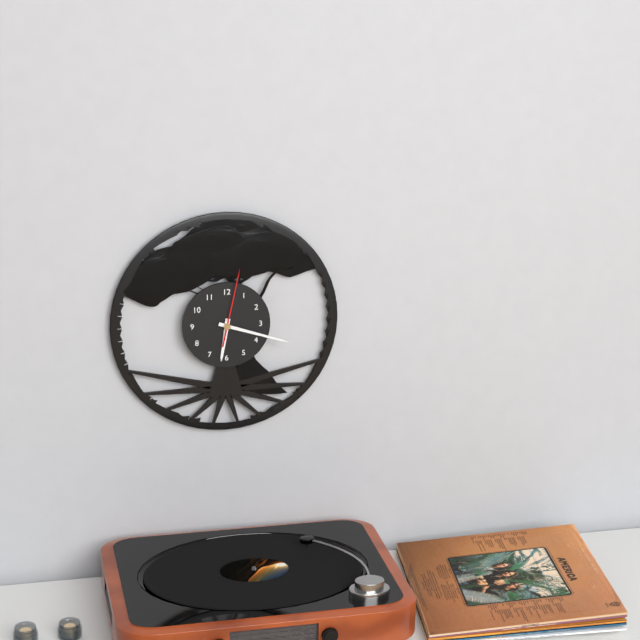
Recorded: {"hour": 6, "minute": 18, "second": 2}
